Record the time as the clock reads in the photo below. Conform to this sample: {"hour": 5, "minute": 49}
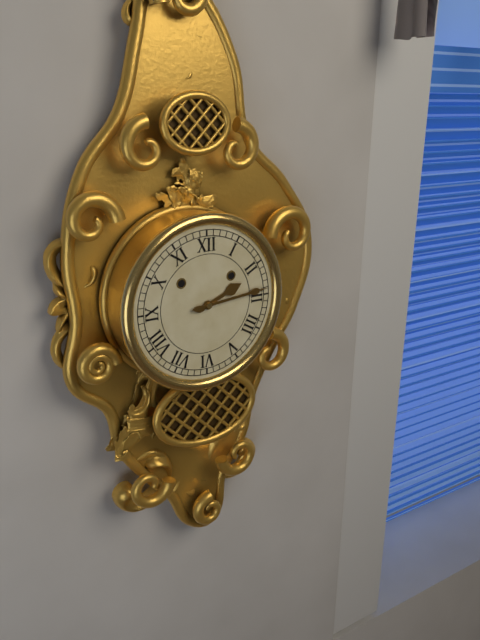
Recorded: {"hour": 2, "minute": 14}
